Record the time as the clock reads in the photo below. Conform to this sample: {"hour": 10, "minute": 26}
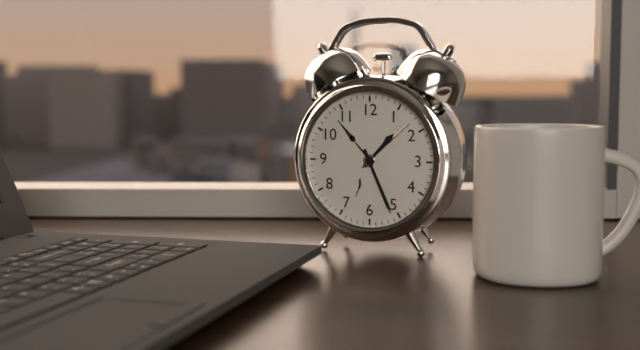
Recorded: {"hour": 1, "minute": 26}
